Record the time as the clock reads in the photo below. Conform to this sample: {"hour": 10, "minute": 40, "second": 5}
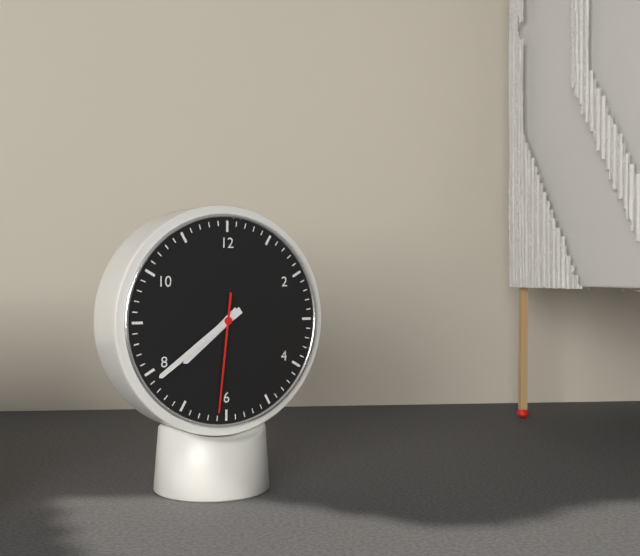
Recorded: {"hour": 7, "minute": 39, "second": 31}
